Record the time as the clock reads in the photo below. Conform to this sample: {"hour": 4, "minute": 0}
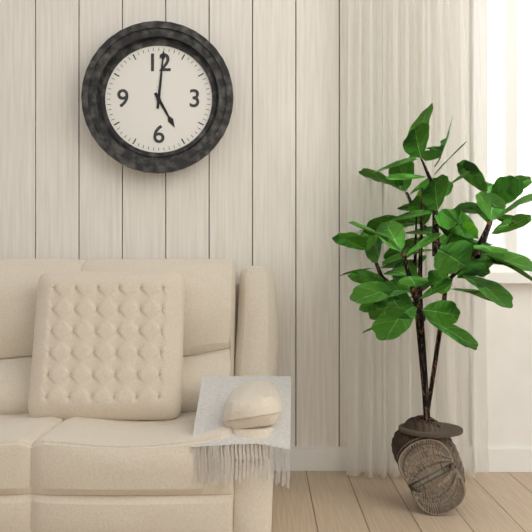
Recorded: {"hour": 5, "minute": 1}
